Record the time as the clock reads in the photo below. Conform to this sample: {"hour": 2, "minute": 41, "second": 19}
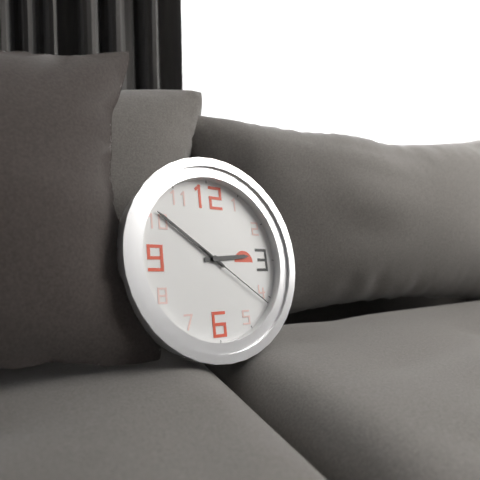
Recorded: {"hour": 2, "minute": 51, "second": 21}
